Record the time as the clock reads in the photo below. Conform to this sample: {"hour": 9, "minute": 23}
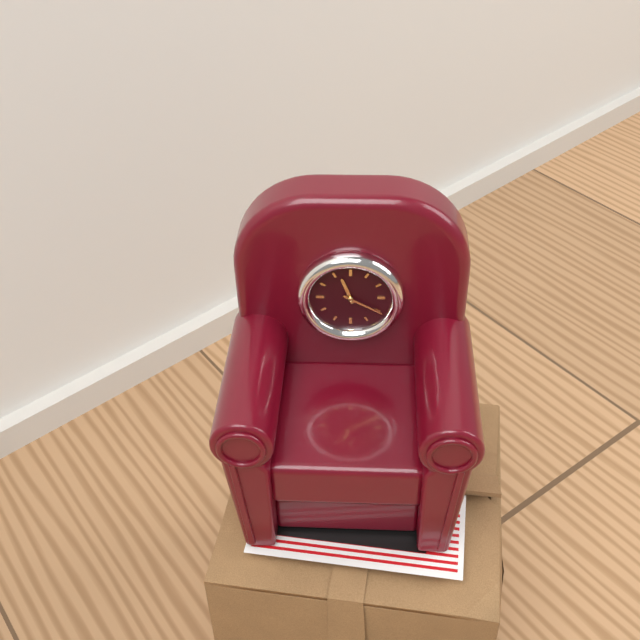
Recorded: {"hour": 11, "minute": 20}
